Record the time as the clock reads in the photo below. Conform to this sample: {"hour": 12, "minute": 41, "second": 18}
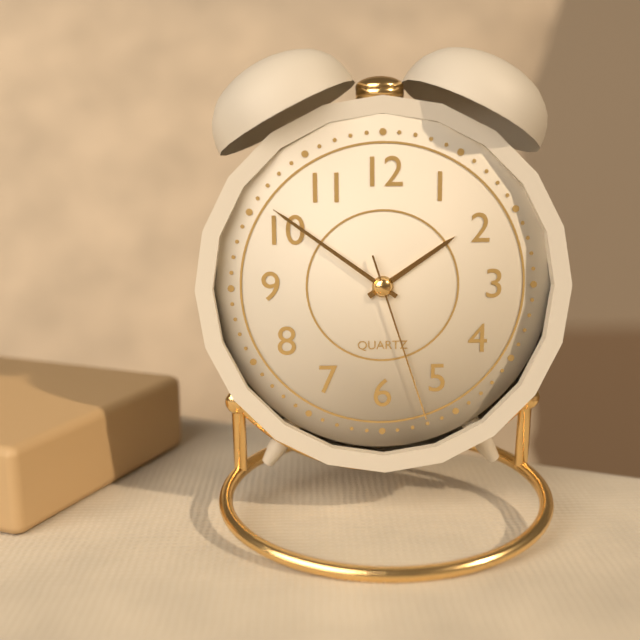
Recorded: {"hour": 1, "minute": 51, "second": 27}
